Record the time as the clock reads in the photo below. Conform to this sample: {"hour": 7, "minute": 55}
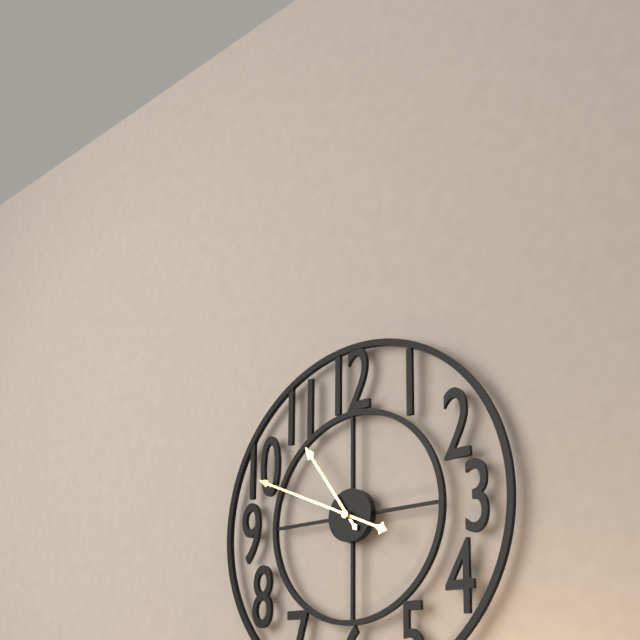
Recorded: {"hour": 10, "minute": 49}
